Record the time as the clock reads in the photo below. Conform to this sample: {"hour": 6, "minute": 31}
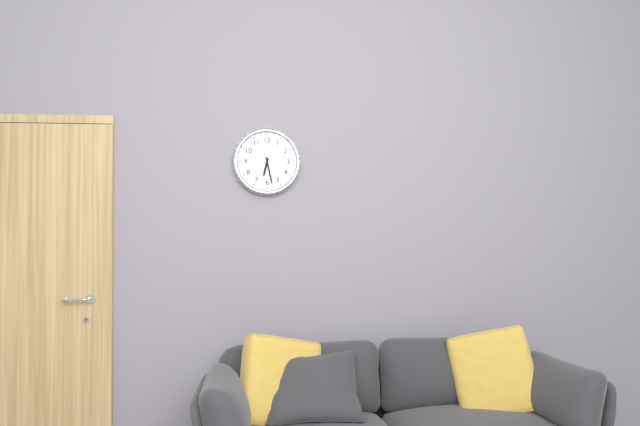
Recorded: {"hour": 6, "minute": 28}
